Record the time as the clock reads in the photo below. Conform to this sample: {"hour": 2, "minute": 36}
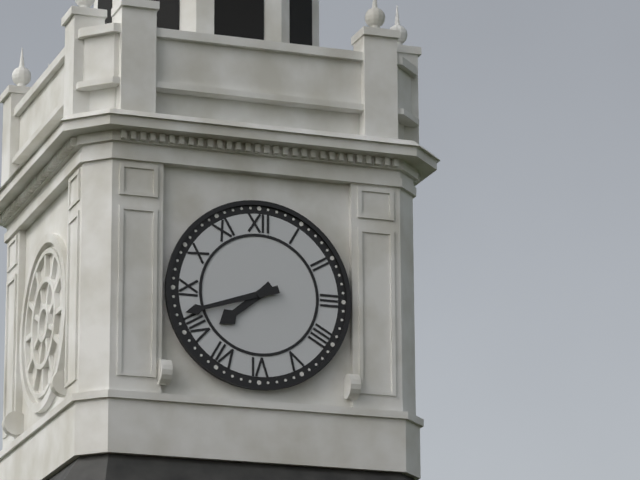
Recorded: {"hour": 7, "minute": 42}
